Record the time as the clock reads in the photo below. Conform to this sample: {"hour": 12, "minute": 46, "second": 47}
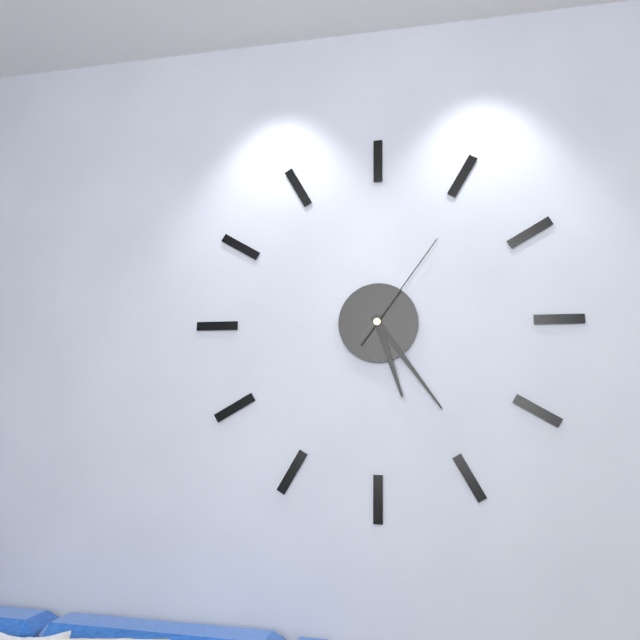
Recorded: {"hour": 5, "minute": 24, "second": 6}
